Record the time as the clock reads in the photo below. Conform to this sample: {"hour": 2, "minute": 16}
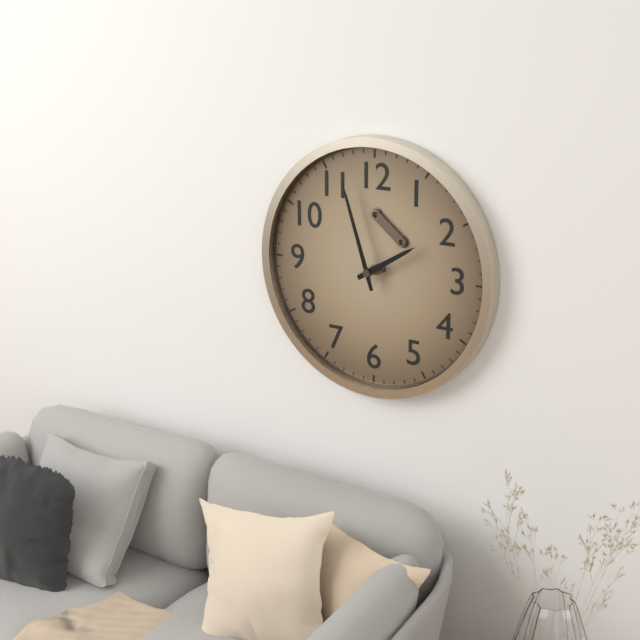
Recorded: {"hour": 1, "minute": 57}
